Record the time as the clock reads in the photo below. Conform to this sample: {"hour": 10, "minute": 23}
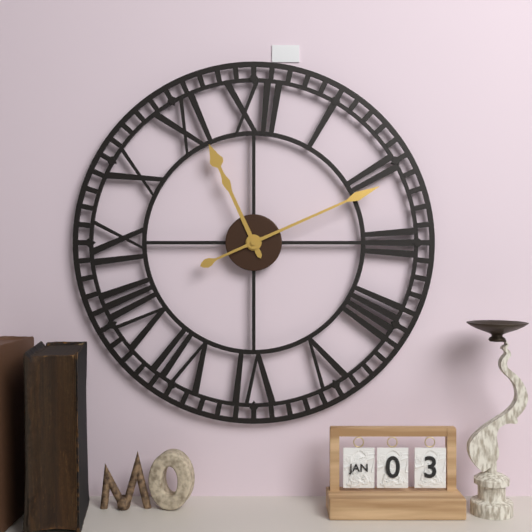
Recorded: {"hour": 11, "minute": 11}
